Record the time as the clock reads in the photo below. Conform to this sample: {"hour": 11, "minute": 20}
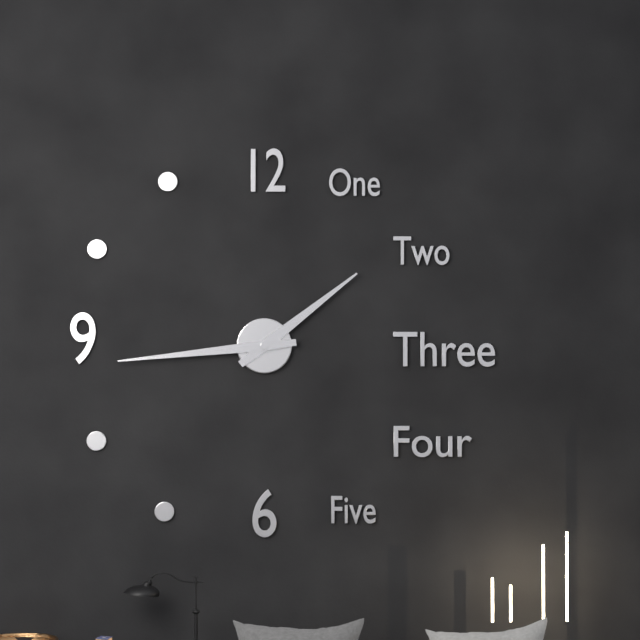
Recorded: {"hour": 1, "minute": 44}
